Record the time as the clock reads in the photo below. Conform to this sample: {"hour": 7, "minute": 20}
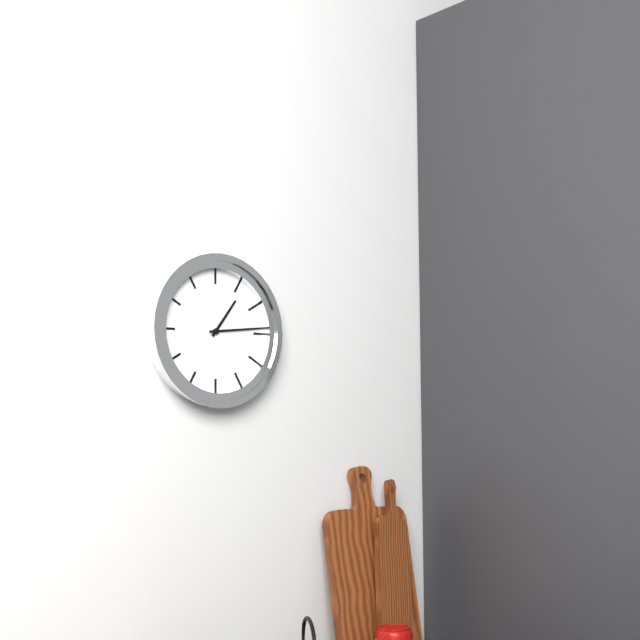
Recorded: {"hour": 1, "minute": 14}
